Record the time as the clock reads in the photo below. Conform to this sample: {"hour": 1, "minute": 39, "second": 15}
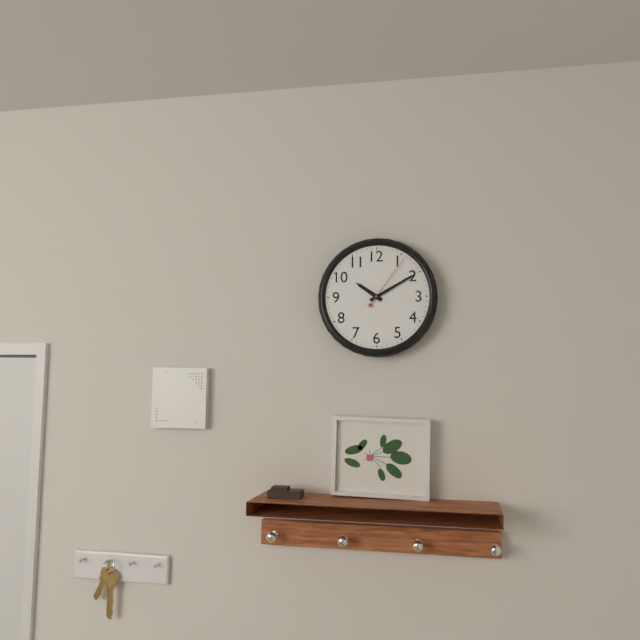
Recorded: {"hour": 10, "minute": 10, "second": 6}
